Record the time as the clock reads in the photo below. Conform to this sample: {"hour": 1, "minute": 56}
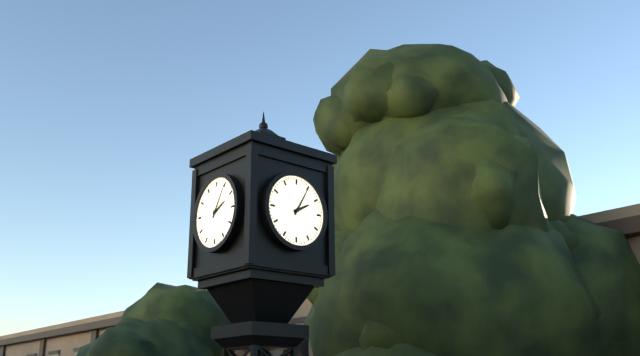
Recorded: {"hour": 2, "minute": 5}
